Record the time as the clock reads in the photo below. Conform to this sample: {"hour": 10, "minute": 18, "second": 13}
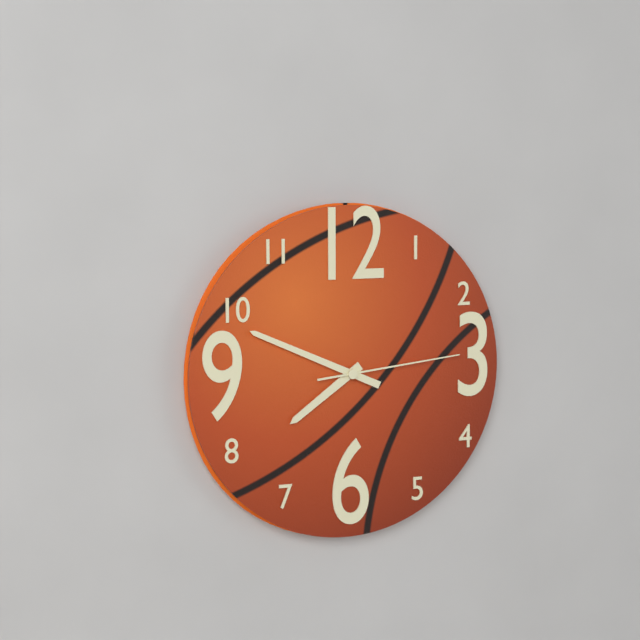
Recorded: {"hour": 7, "minute": 49, "second": 14}
